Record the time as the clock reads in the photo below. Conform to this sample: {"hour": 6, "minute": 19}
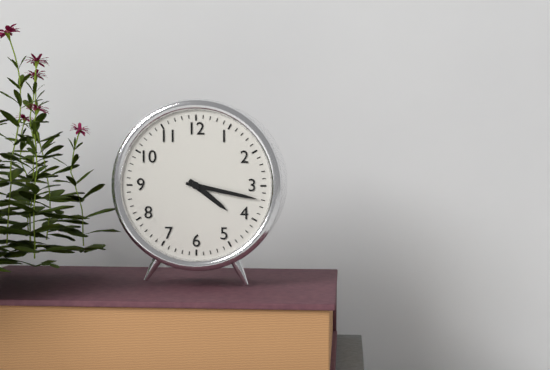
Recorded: {"hour": 4, "minute": 17}
